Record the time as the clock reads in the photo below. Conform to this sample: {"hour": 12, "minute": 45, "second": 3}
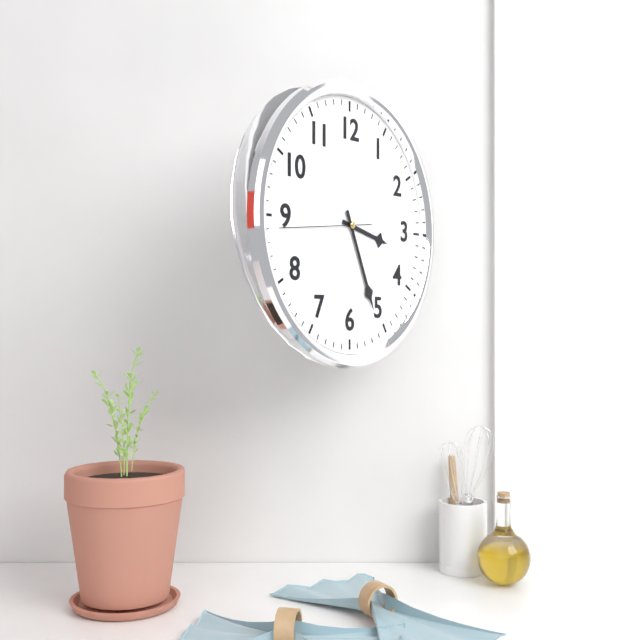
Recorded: {"hour": 3, "minute": 26, "second": 44}
